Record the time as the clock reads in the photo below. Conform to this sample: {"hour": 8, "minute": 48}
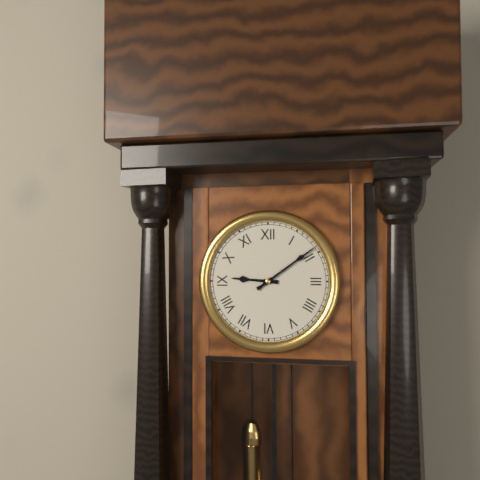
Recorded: {"hour": 9, "minute": 9}
